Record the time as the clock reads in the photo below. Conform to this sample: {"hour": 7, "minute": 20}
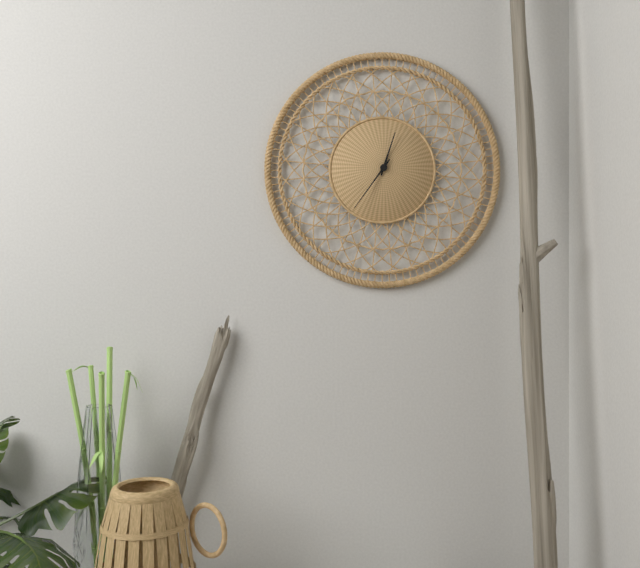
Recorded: {"hour": 12, "minute": 36}
